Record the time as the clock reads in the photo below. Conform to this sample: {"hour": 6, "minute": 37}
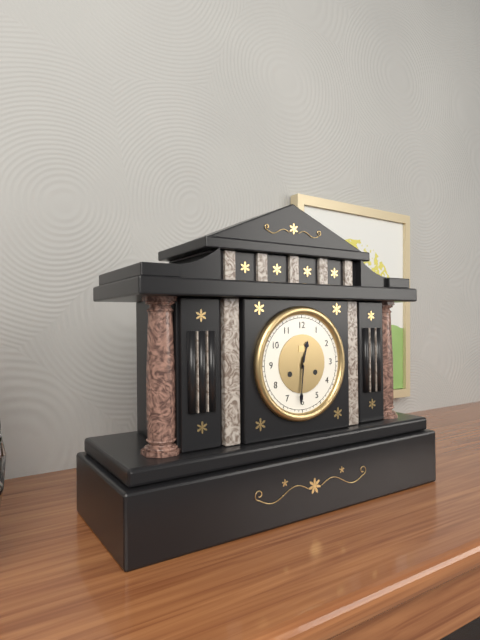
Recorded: {"hour": 12, "minute": 31}
